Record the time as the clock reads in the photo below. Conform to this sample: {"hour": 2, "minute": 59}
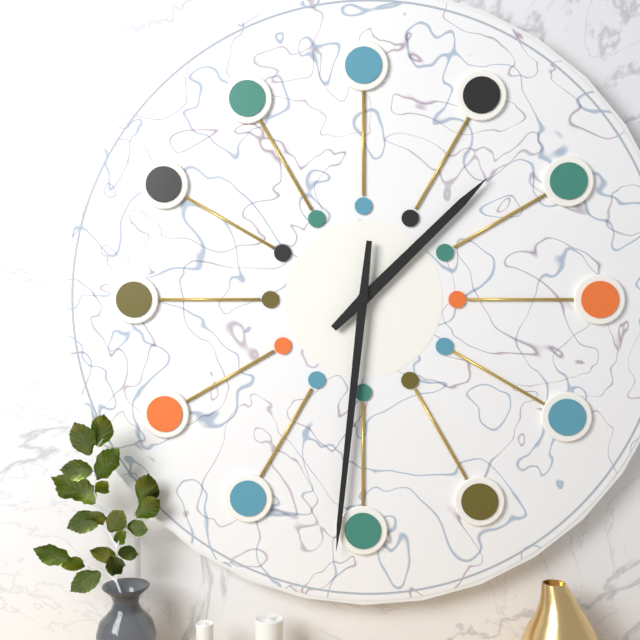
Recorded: {"hour": 1, "minute": 31}
